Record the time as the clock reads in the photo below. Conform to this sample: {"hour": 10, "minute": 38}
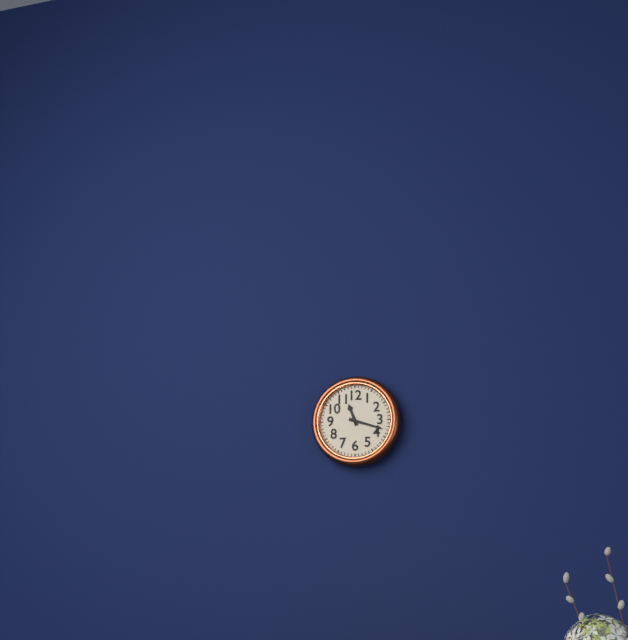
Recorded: {"hour": 11, "minute": 18}
